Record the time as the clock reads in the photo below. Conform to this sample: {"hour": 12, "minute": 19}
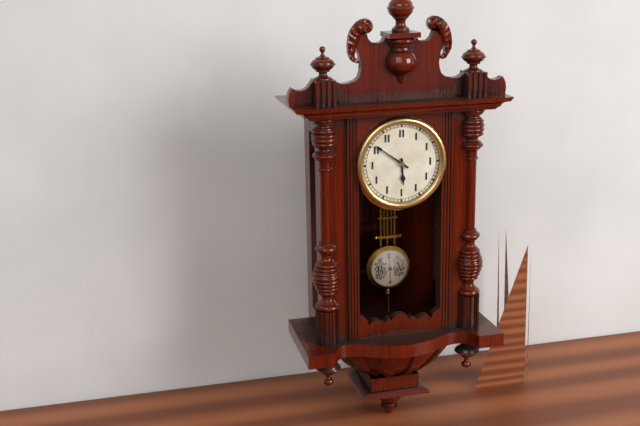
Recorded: {"hour": 5, "minute": 51}
